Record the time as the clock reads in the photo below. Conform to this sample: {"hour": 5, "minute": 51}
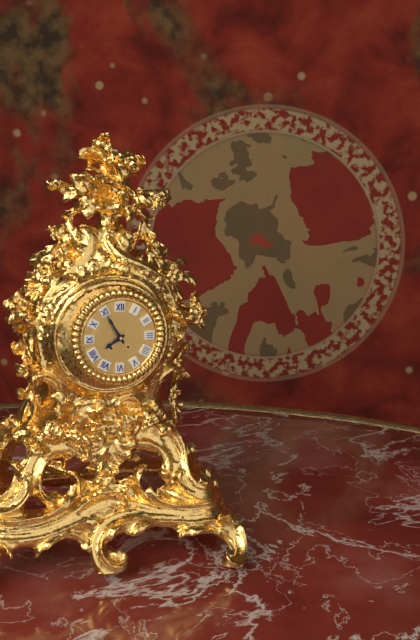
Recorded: {"hour": 7, "minute": 55}
